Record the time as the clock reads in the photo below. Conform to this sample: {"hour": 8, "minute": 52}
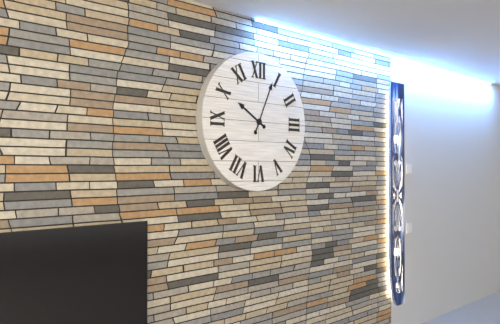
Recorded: {"hour": 10, "minute": 4}
